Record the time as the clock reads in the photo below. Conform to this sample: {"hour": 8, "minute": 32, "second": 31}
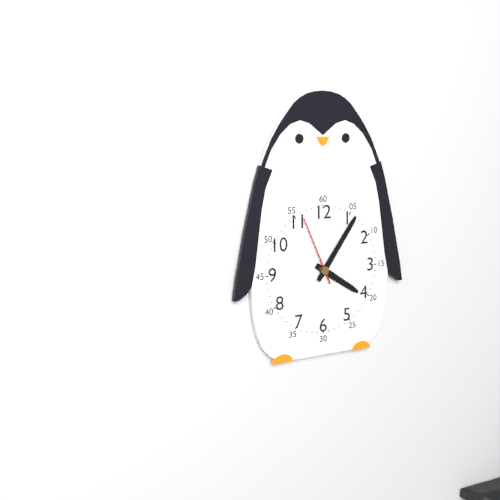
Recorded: {"hour": 4, "minute": 6, "second": 56}
